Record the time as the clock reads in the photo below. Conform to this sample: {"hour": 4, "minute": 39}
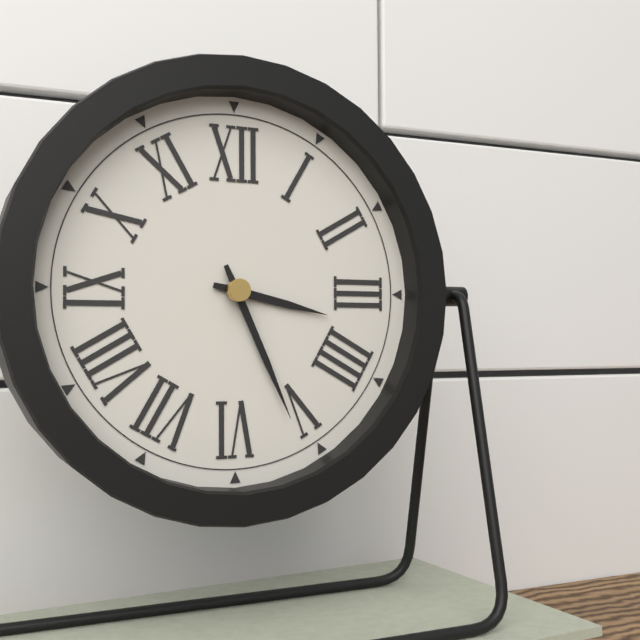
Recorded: {"hour": 3, "minute": 26}
